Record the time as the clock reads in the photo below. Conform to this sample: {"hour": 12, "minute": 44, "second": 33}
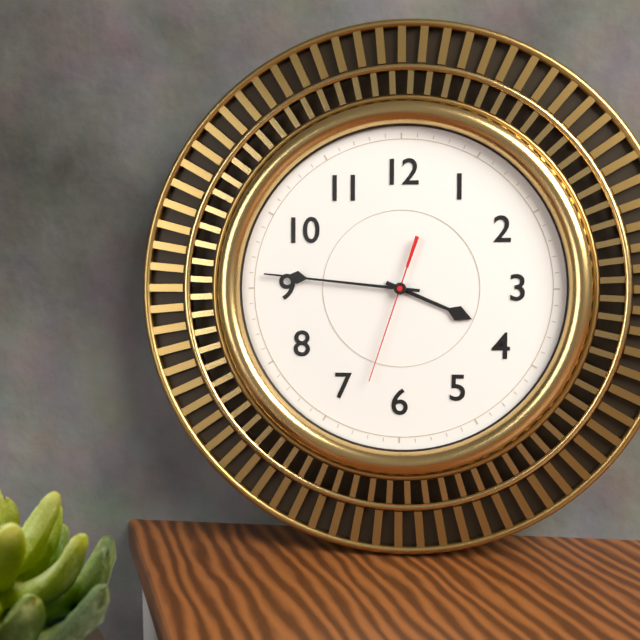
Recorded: {"hour": 3, "minute": 46, "second": 33}
